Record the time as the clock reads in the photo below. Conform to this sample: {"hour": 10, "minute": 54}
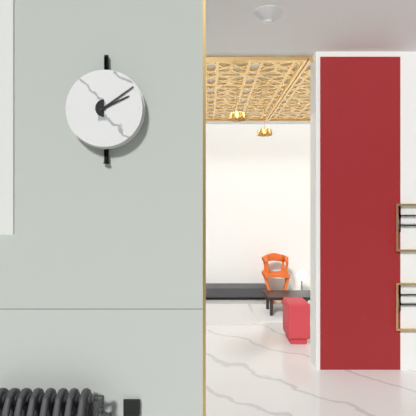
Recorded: {"hour": 2, "minute": 9}
